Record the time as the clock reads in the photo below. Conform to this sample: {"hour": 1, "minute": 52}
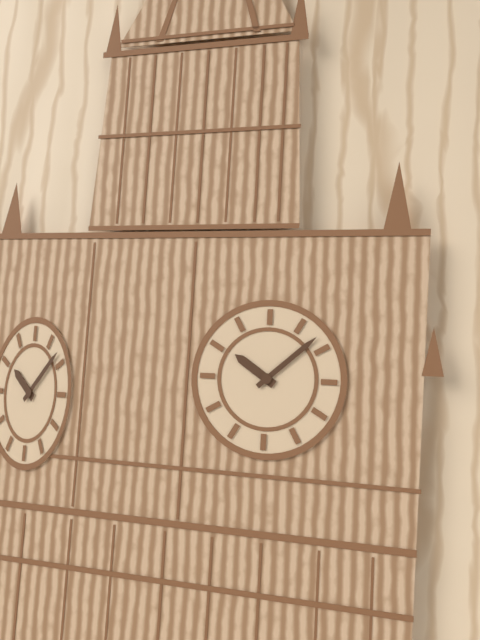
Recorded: {"hour": 10, "minute": 8}
